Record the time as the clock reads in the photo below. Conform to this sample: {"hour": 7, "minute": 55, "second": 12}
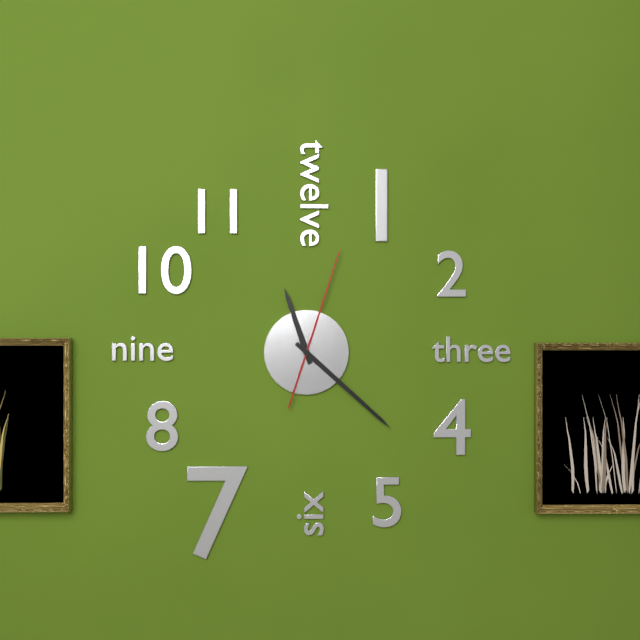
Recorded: {"hour": 11, "minute": 22, "second": 3}
